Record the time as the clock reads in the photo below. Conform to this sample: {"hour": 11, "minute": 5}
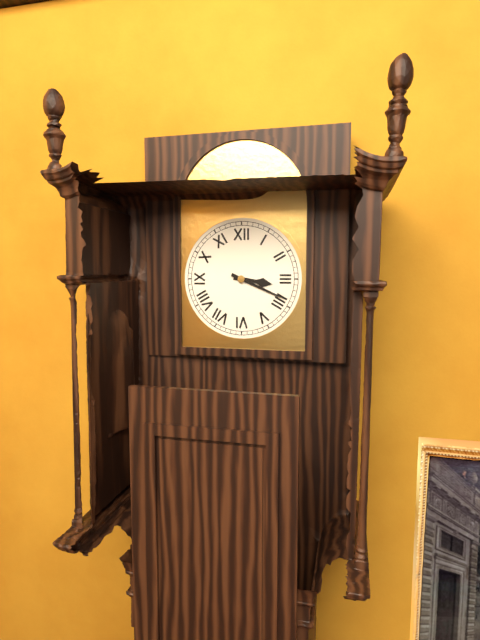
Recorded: {"hour": 3, "minute": 19}
